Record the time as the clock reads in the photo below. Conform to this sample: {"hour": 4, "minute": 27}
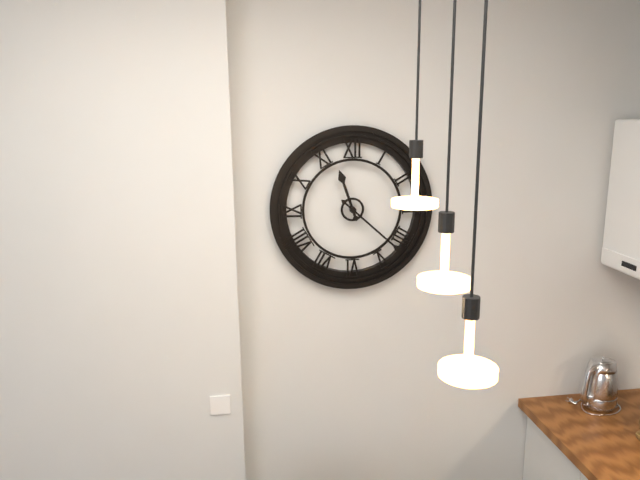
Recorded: {"hour": 11, "minute": 22}
